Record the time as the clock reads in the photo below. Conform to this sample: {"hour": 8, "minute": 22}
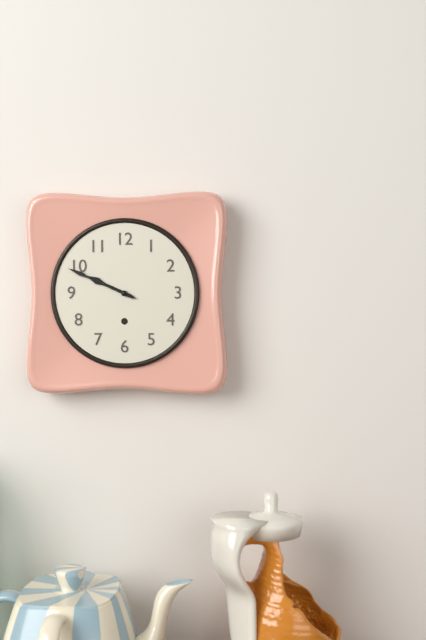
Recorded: {"hour": 9, "minute": 49}
